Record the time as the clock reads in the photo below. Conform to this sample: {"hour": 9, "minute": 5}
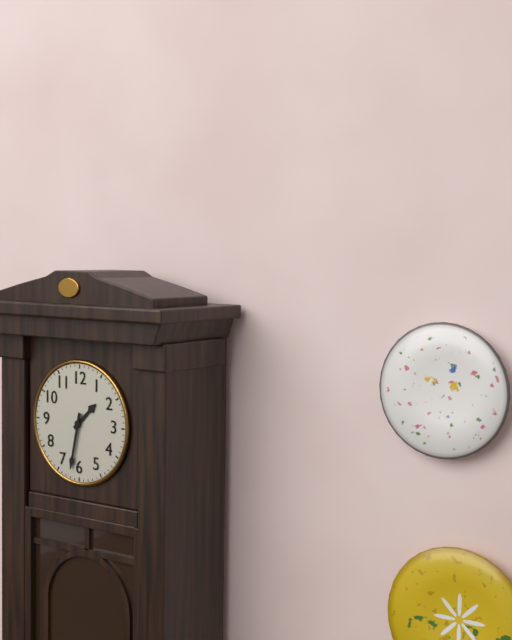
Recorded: {"hour": 1, "minute": 32}
